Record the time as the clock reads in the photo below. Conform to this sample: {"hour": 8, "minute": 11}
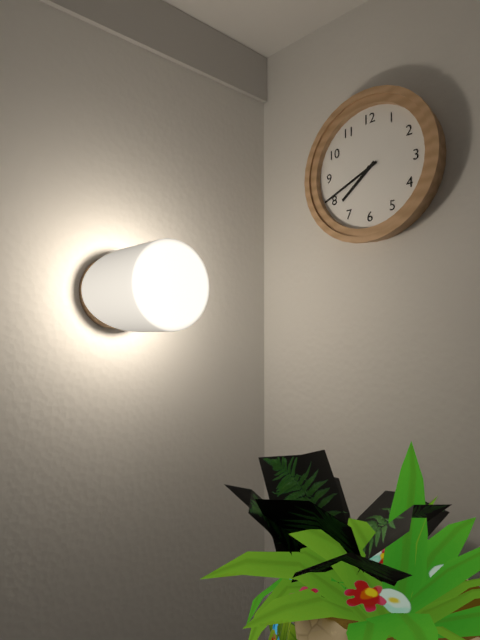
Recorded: {"hour": 7, "minute": 41}
